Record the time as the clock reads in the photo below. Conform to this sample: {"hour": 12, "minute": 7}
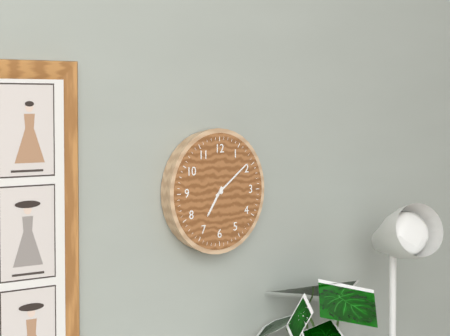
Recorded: {"hour": 7, "minute": 9}
